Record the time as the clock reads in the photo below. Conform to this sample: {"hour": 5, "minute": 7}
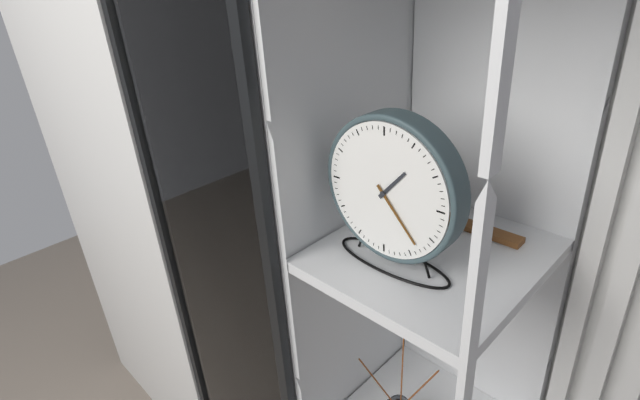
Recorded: {"hour": 1, "minute": 23}
